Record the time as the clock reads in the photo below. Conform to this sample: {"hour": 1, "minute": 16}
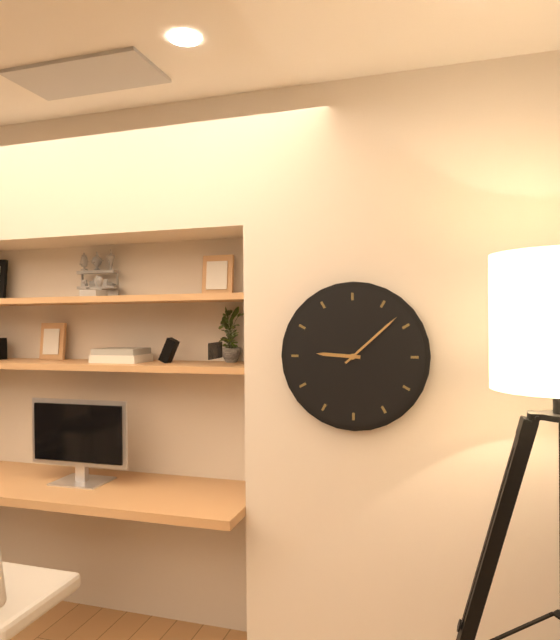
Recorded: {"hour": 9, "minute": 8}
